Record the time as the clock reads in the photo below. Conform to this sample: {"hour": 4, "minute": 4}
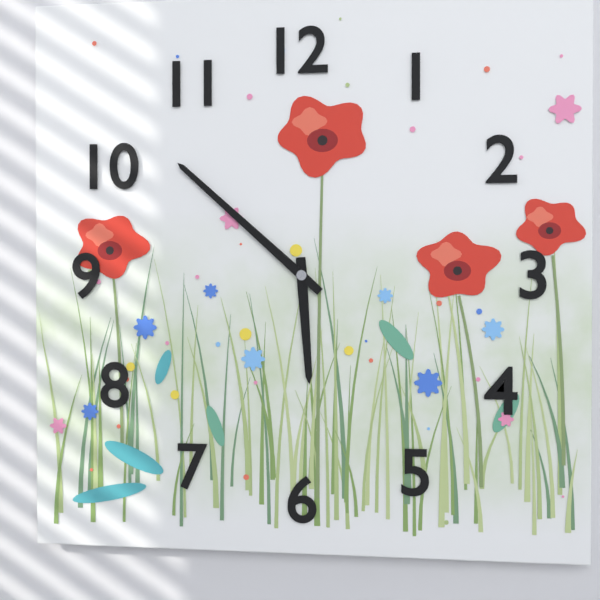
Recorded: {"hour": 5, "minute": 52}
